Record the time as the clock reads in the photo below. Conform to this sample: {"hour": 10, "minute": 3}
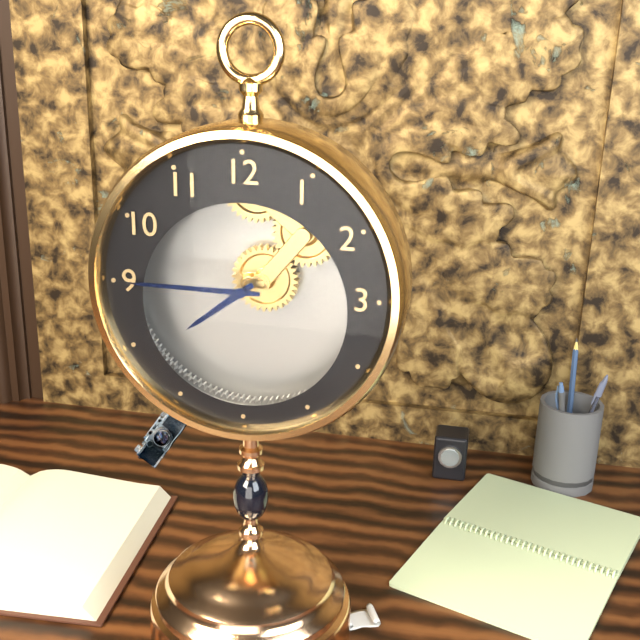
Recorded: {"hour": 7, "minute": 45}
